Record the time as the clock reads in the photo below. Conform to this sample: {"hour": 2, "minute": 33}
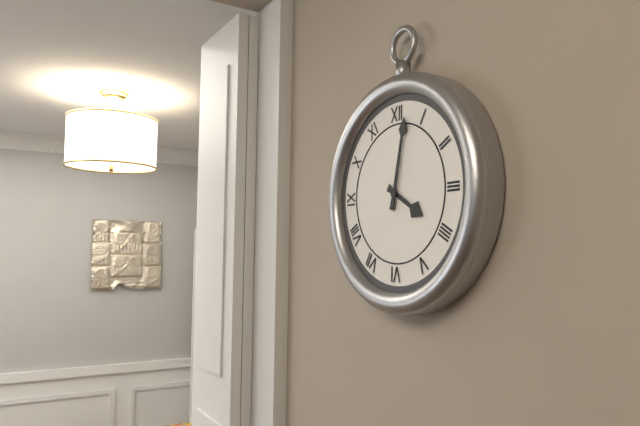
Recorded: {"hour": 4, "minute": 2}
